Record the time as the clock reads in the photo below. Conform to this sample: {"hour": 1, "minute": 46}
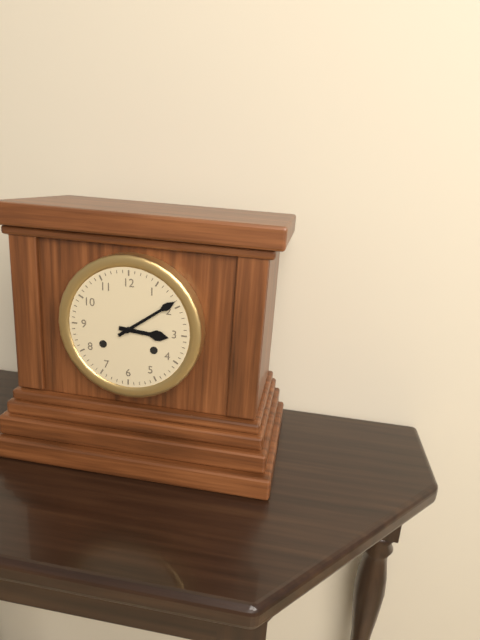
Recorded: {"hour": 3, "minute": 9}
